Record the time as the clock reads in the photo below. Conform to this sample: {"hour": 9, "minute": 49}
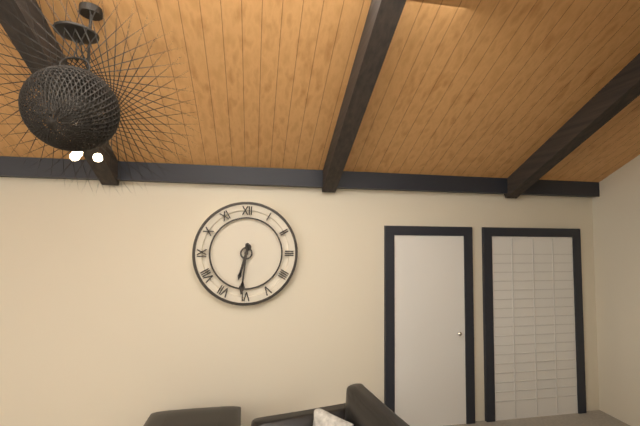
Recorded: {"hour": 6, "minute": 31}
